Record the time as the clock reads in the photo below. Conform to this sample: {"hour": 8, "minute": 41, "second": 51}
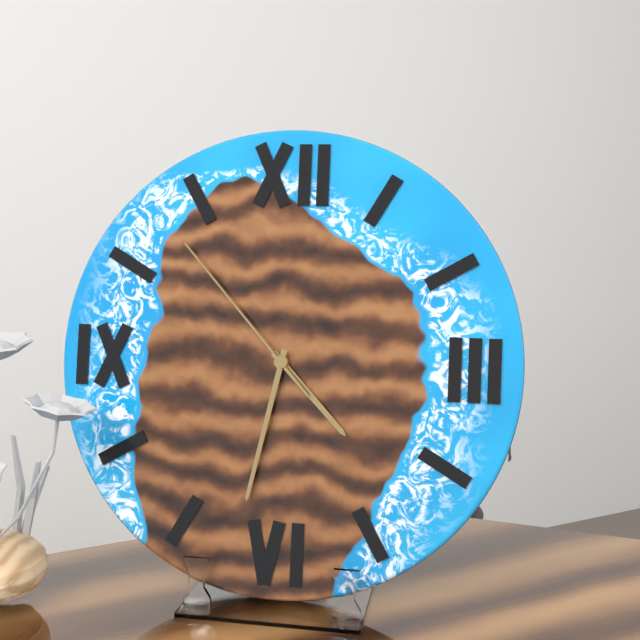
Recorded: {"hour": 4, "minute": 32, "second": 53}
